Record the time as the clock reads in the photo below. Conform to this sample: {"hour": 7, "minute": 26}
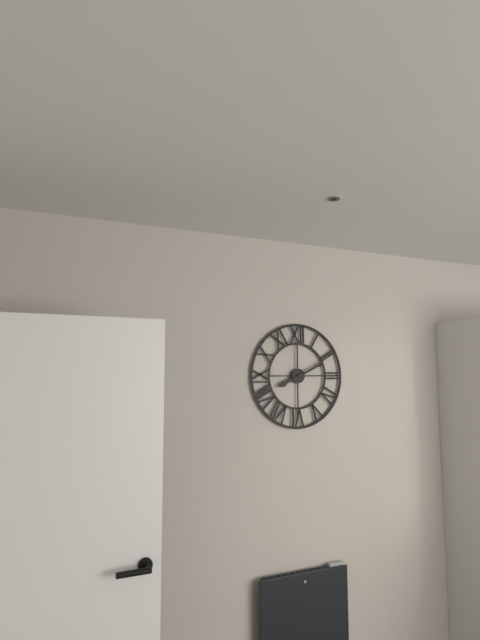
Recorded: {"hour": 8, "minute": 11}
